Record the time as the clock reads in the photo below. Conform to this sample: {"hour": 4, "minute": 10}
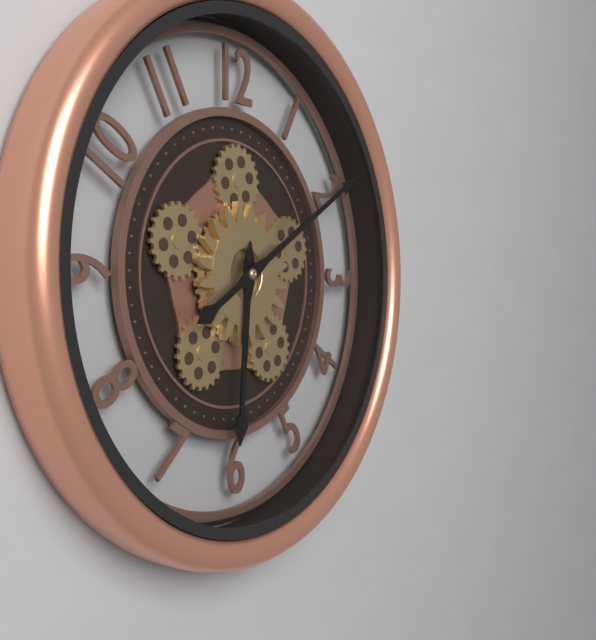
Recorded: {"hour": 6, "minute": 10}
